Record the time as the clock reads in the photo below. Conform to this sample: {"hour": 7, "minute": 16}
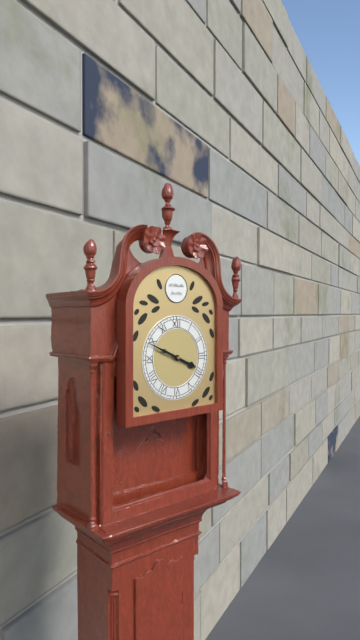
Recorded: {"hour": 3, "minute": 49}
